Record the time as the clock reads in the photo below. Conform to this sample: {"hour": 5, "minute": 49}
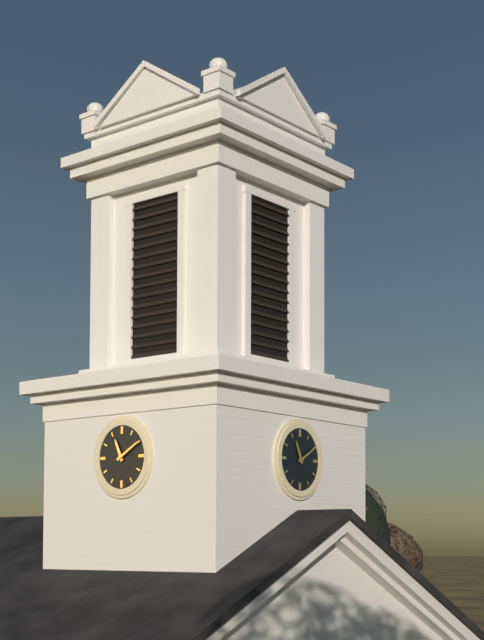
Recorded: {"hour": 11, "minute": 10}
